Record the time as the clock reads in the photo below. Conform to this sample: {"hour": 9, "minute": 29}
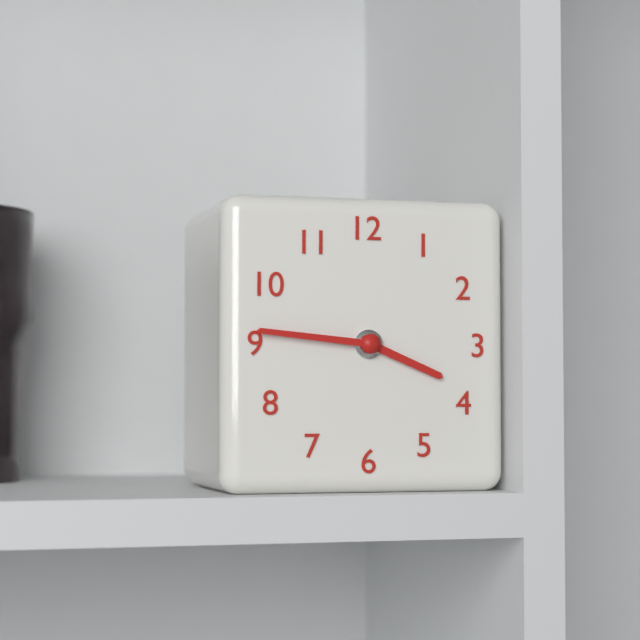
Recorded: {"hour": 3, "minute": 46}
